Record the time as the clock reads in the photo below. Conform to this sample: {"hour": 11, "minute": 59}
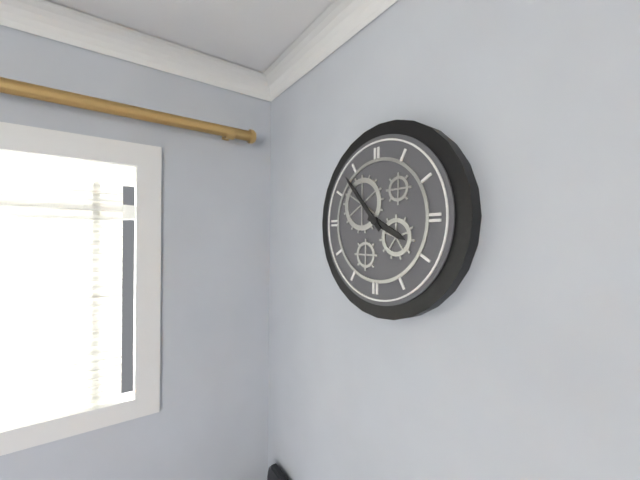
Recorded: {"hour": 3, "minute": 53}
